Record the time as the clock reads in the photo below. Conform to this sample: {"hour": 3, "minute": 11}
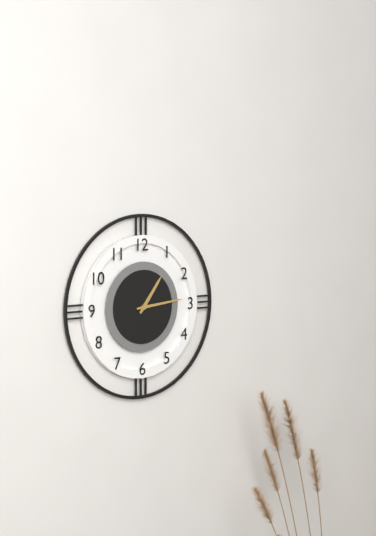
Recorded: {"hour": 1, "minute": 14}
